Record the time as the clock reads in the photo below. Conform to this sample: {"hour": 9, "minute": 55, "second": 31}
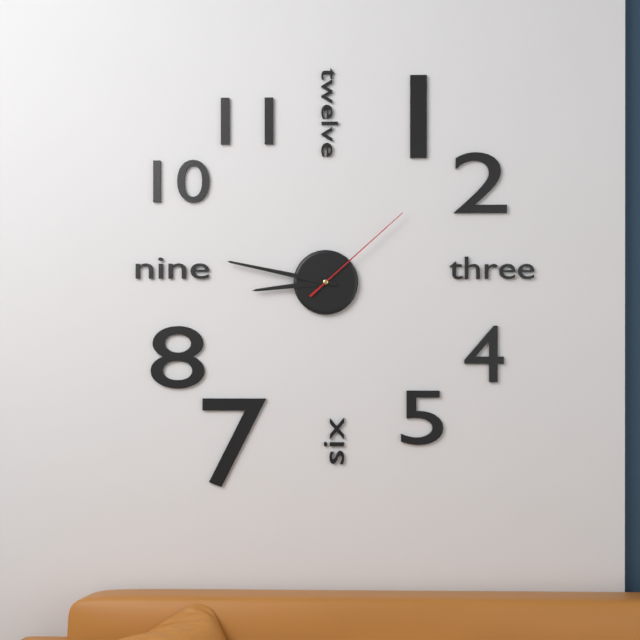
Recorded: {"hour": 8, "minute": 47, "second": 8}
